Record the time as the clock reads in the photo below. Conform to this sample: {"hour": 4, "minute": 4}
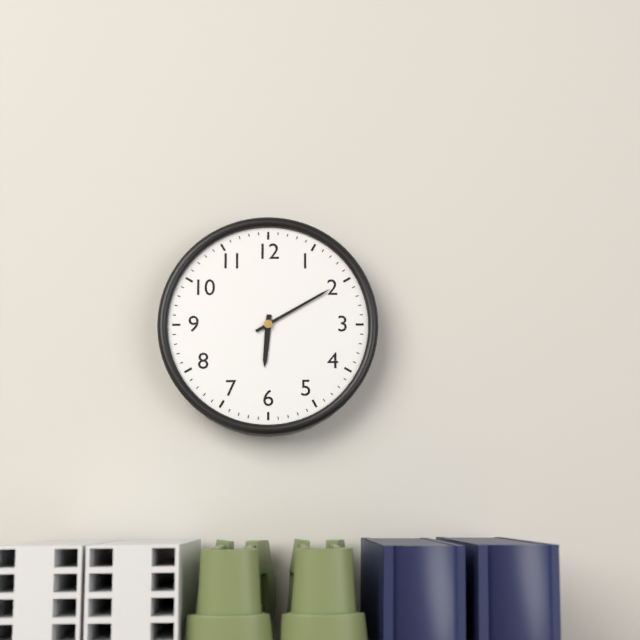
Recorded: {"hour": 6, "minute": 10}
